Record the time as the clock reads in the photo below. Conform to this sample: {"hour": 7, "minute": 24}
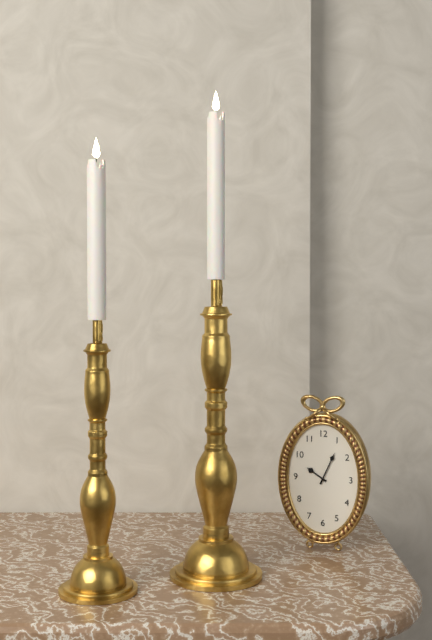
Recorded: {"hour": 10, "minute": 4}
